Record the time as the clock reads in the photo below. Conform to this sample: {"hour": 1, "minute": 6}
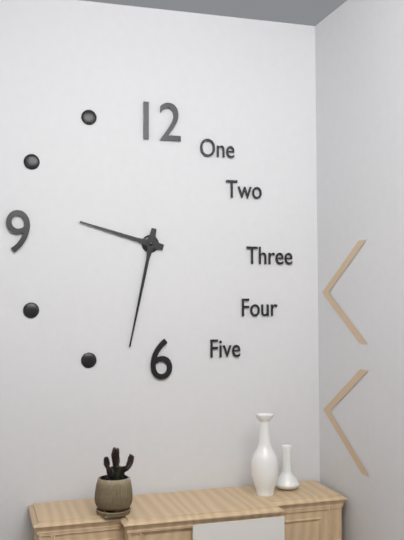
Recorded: {"hour": 9, "minute": 32}
